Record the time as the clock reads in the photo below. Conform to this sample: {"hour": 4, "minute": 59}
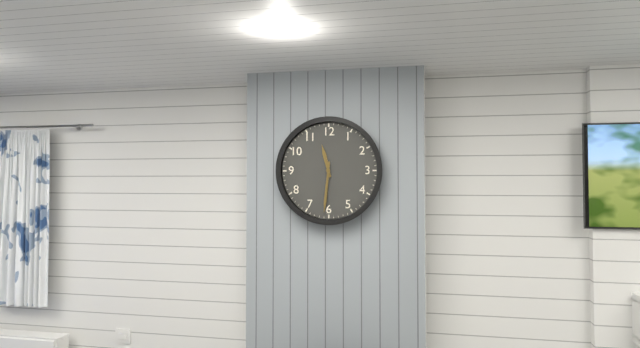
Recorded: {"hour": 11, "minute": 31}
